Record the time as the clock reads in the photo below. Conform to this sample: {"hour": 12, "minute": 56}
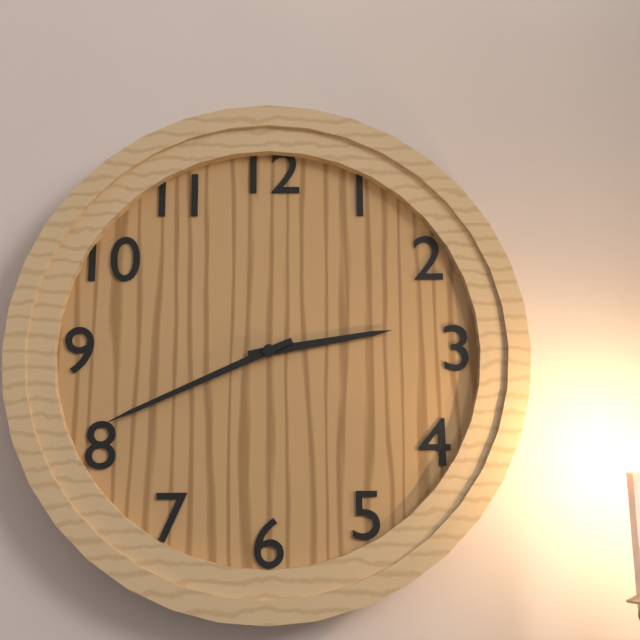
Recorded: {"hour": 2, "minute": 41}
